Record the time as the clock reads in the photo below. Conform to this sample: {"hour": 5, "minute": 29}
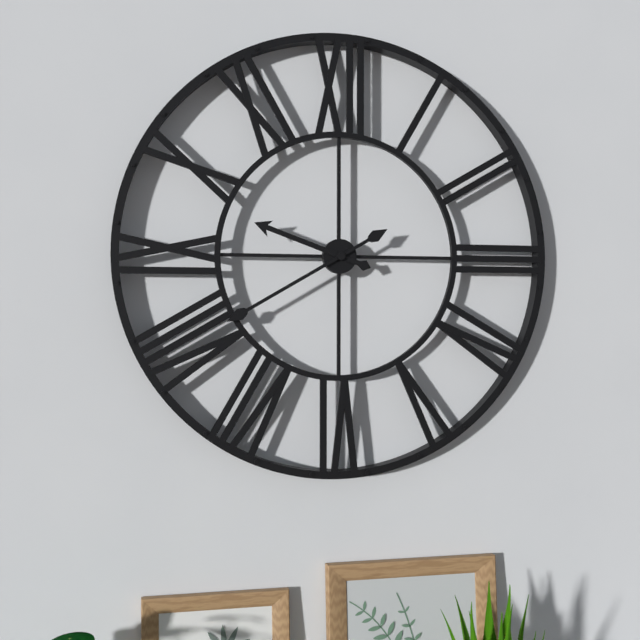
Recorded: {"hour": 9, "minute": 40}
